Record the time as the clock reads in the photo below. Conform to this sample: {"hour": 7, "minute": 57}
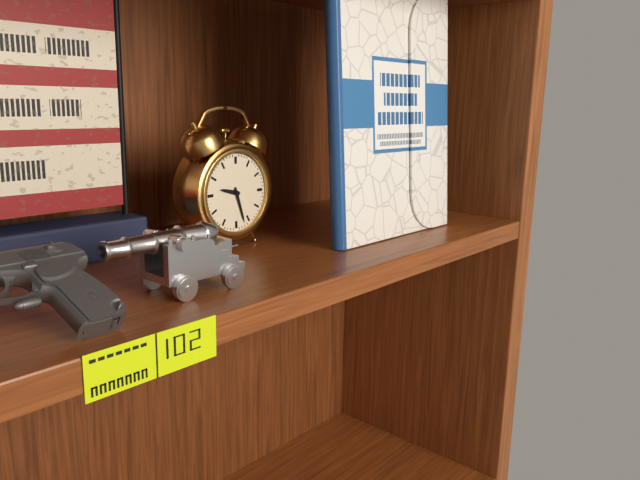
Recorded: {"hour": 9, "minute": 27}
